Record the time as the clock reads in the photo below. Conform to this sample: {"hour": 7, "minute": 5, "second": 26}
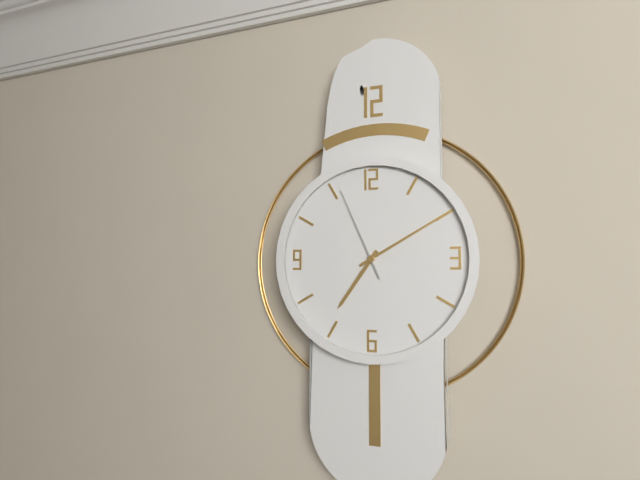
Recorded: {"hour": 7, "minute": 10, "second": 56}
